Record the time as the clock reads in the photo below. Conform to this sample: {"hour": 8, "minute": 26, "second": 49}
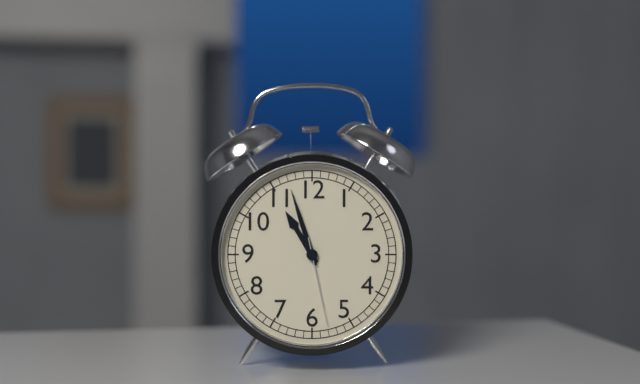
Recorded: {"hour": 10, "minute": 57, "second": 28}
